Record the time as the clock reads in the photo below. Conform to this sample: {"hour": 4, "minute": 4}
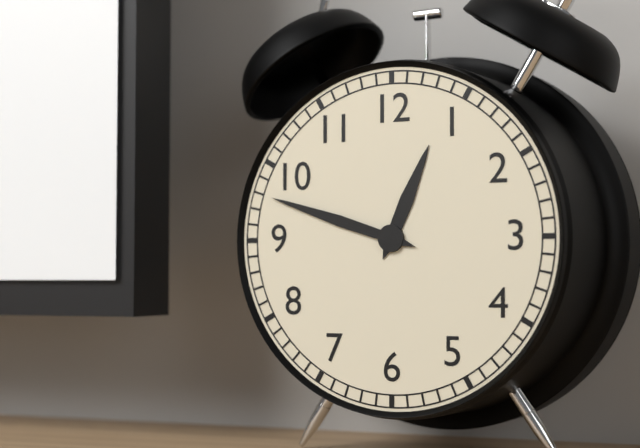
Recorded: {"hour": 12, "minute": 48}
